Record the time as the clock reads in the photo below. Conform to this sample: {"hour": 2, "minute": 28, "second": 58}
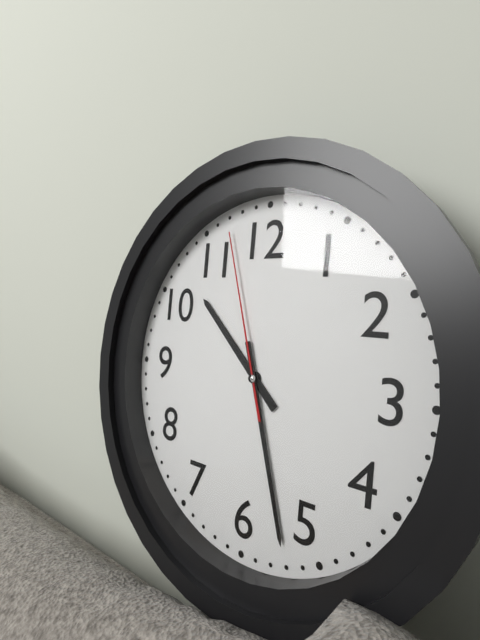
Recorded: {"hour": 10, "minute": 27, "second": 57}
